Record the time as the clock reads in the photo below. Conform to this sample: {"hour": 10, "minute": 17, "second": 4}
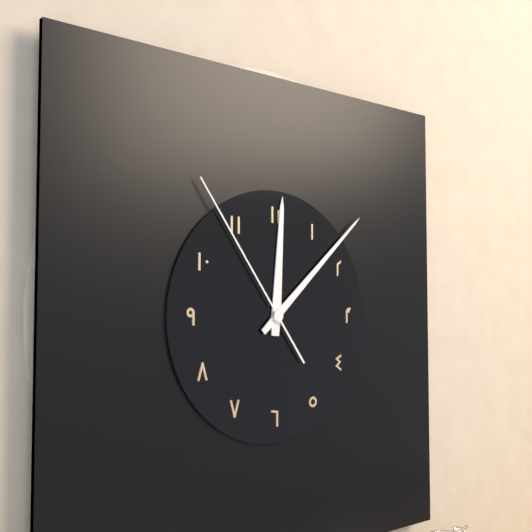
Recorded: {"hour": 12, "minute": 8, "second": 54}
